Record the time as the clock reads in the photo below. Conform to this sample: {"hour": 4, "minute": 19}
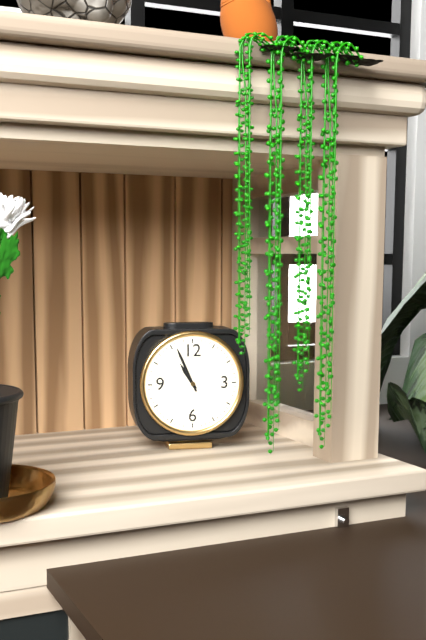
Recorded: {"hour": 10, "minute": 56}
